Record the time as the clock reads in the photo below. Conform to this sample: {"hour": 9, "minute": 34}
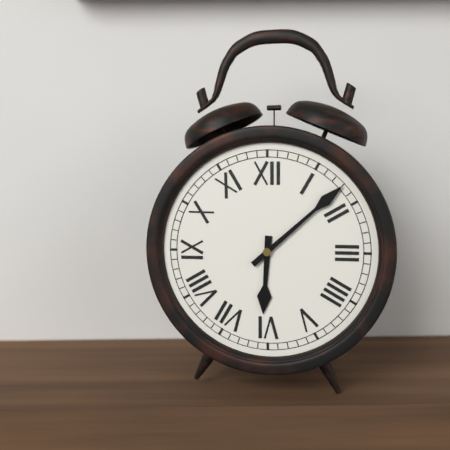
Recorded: {"hour": 6, "minute": 8}
